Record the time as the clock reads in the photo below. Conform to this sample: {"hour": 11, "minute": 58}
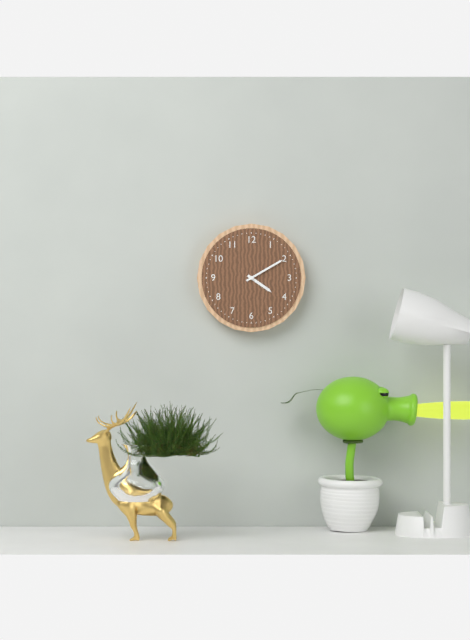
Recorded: {"hour": 4, "minute": 10}
